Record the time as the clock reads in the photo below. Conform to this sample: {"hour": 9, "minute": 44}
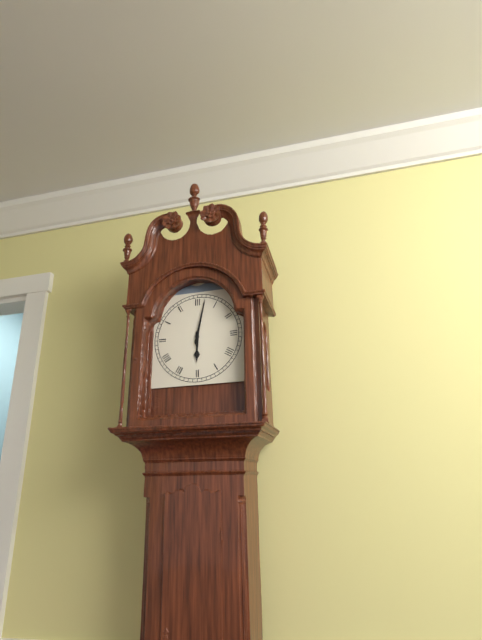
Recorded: {"hour": 6, "minute": 2}
